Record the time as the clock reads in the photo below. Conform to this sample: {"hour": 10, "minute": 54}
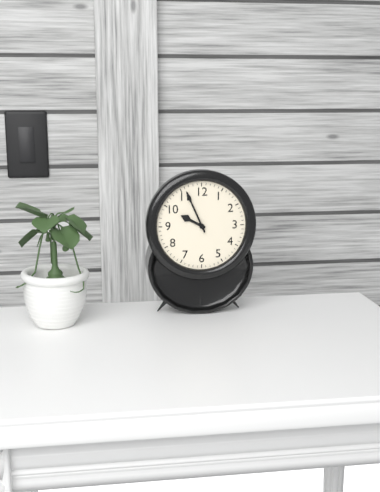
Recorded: {"hour": 9, "minute": 56}
